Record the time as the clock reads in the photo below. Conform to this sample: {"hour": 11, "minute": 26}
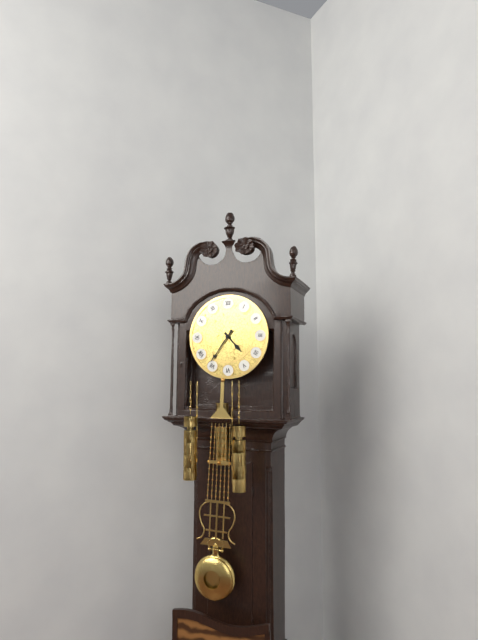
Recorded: {"hour": 4, "minute": 36}
